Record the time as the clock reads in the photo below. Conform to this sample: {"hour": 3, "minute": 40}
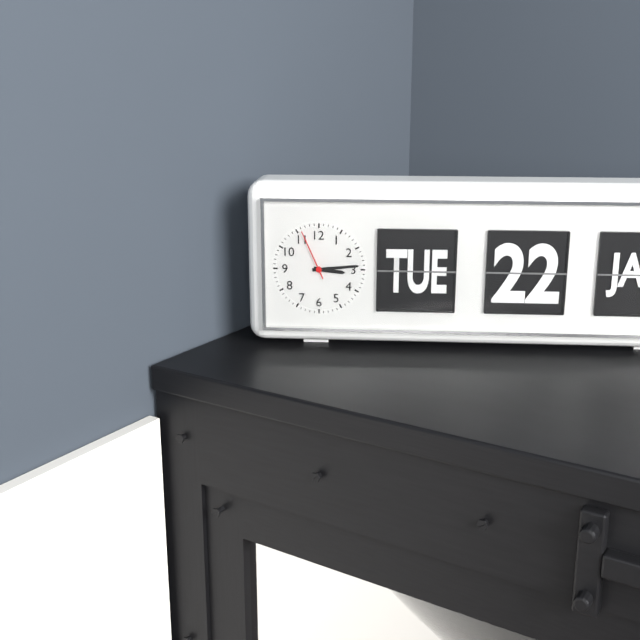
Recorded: {"hour": 3, "minute": 14}
